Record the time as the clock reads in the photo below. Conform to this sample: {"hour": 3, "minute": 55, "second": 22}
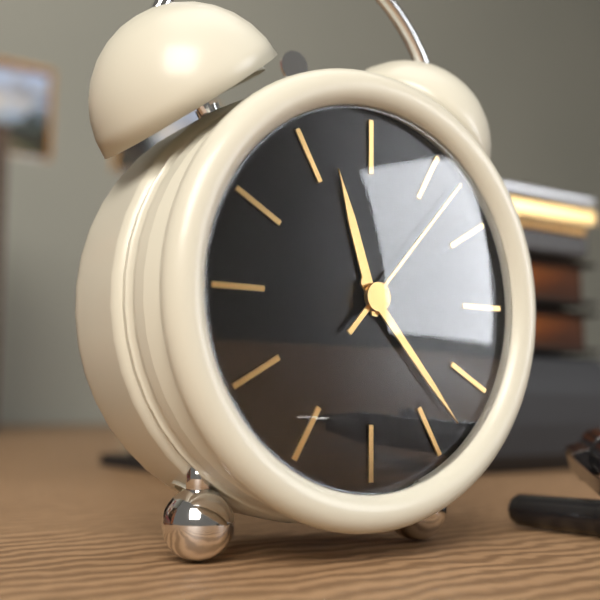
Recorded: {"hour": 11, "minute": 23, "second": 7}
